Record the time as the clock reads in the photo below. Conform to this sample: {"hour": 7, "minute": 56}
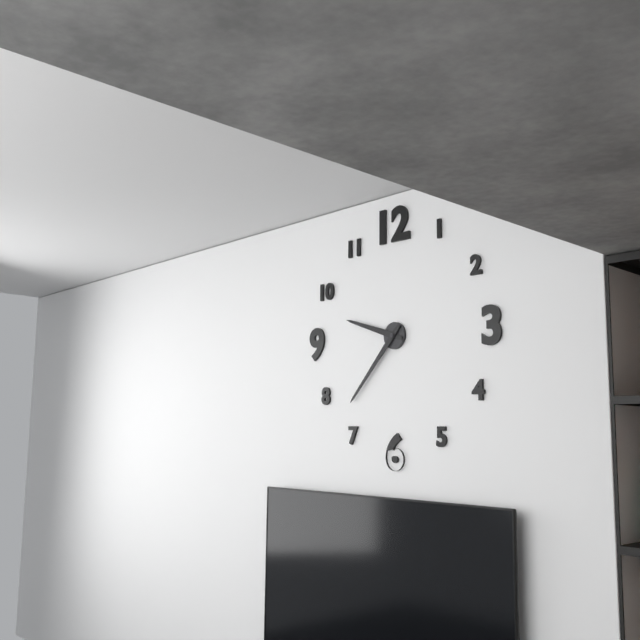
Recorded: {"hour": 9, "minute": 37}
